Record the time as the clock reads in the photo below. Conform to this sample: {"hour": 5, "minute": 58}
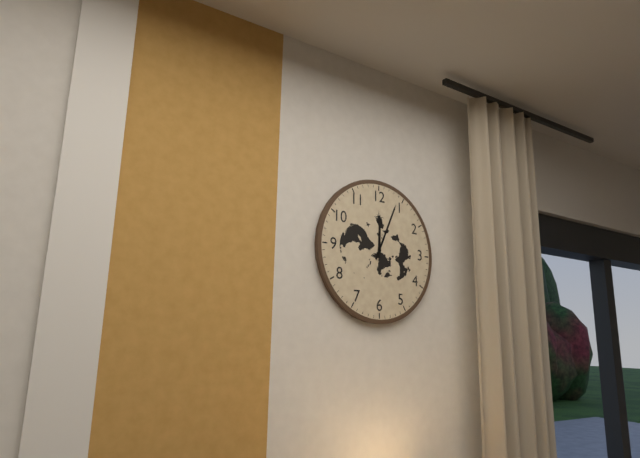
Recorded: {"hour": 12, "minute": 4}
